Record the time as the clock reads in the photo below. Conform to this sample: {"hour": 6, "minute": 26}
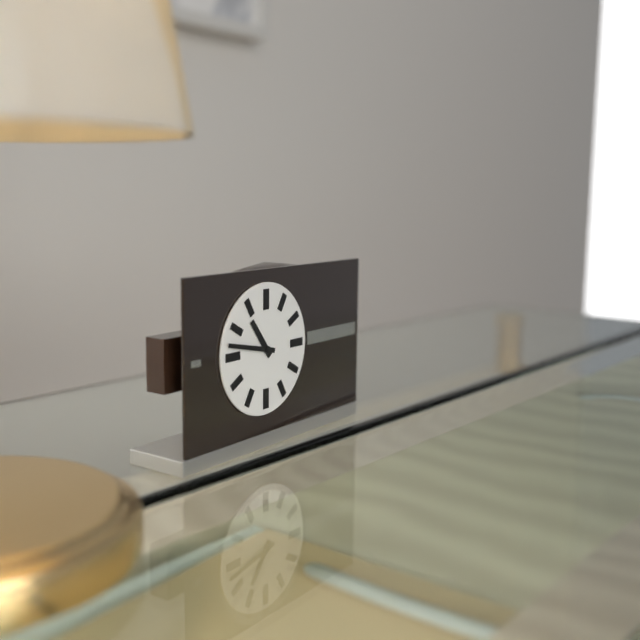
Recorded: {"hour": 10, "minute": 47}
